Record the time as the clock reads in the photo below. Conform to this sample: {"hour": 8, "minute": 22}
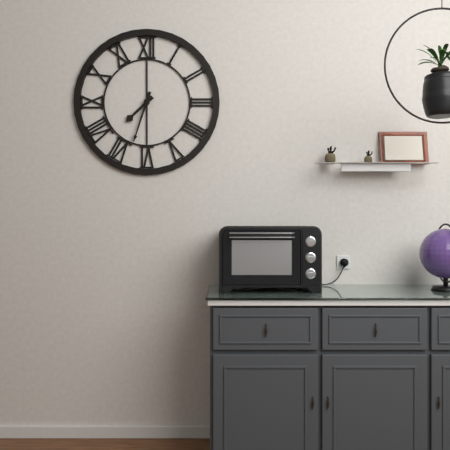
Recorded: {"hour": 7, "minute": 33}
